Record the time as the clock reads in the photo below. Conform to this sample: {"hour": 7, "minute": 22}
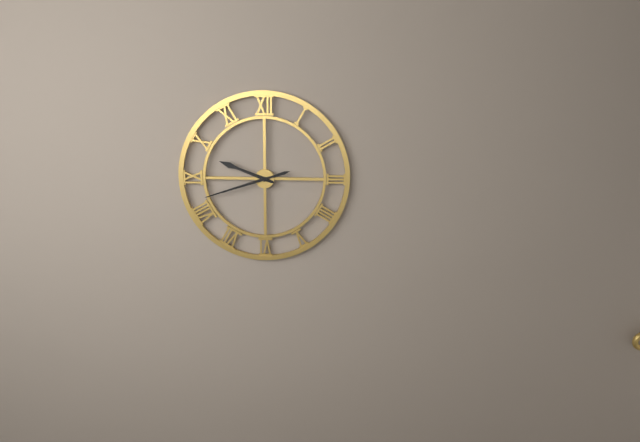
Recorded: {"hour": 9, "minute": 42}
